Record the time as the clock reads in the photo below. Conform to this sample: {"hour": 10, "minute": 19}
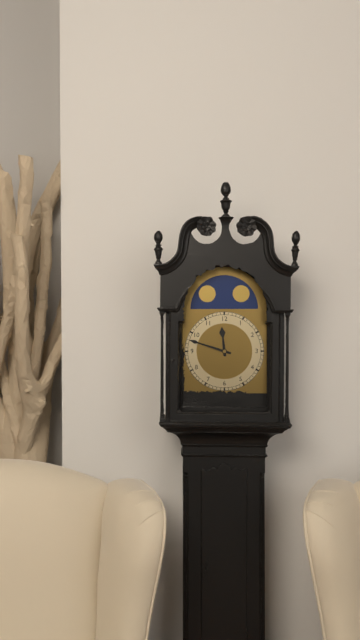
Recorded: {"hour": 11, "minute": 48}
